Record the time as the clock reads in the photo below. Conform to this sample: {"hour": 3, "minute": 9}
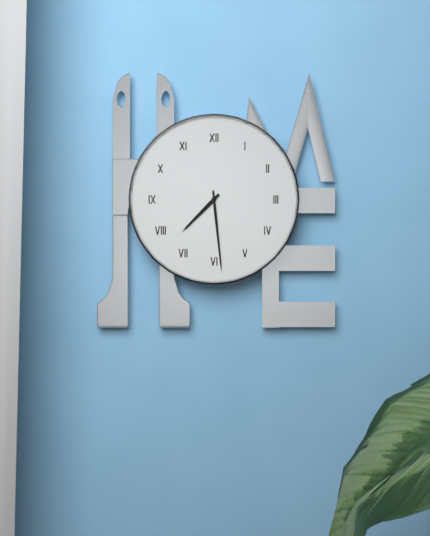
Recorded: {"hour": 7, "minute": 29}
